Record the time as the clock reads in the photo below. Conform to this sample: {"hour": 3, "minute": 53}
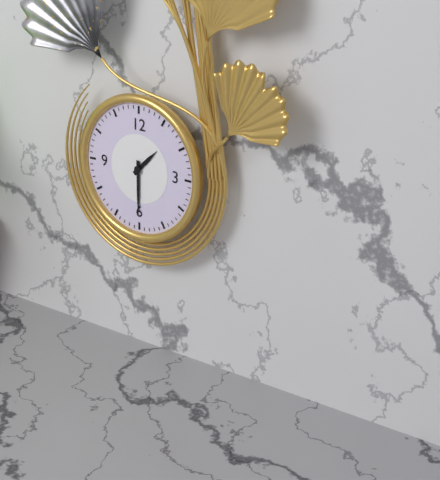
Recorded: {"hour": 1, "minute": 30}
